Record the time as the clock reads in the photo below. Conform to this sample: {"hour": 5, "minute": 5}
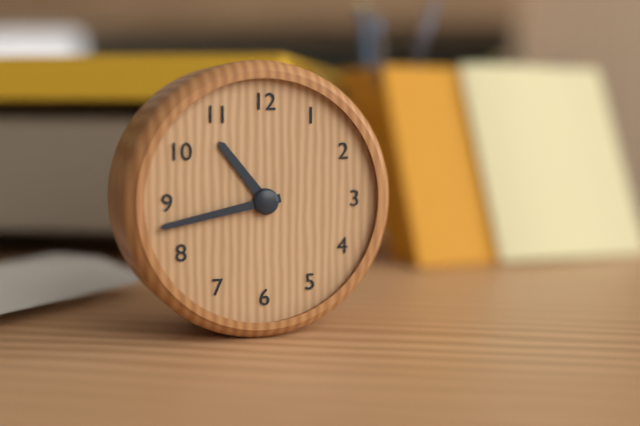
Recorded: {"hour": 10, "minute": 43}
